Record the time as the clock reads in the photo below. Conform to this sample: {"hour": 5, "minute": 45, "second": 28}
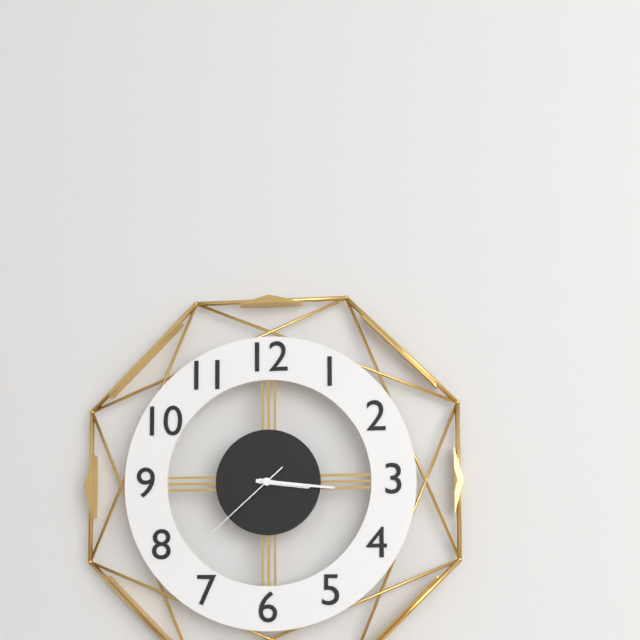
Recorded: {"hour": 3, "minute": 16, "second": 38}
